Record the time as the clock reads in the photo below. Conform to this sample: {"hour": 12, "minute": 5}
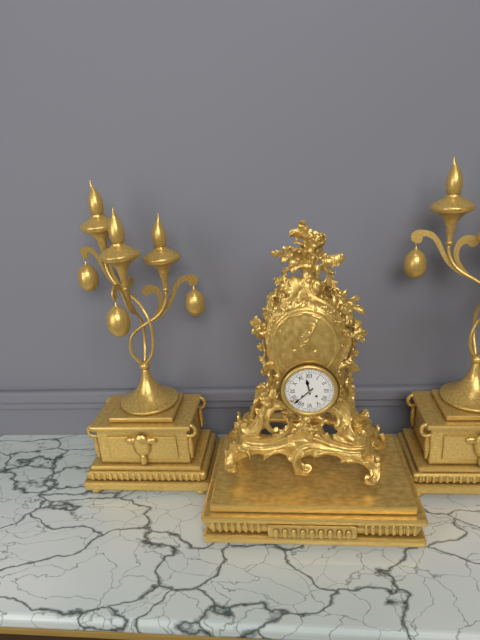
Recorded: {"hour": 11, "minute": 38}
